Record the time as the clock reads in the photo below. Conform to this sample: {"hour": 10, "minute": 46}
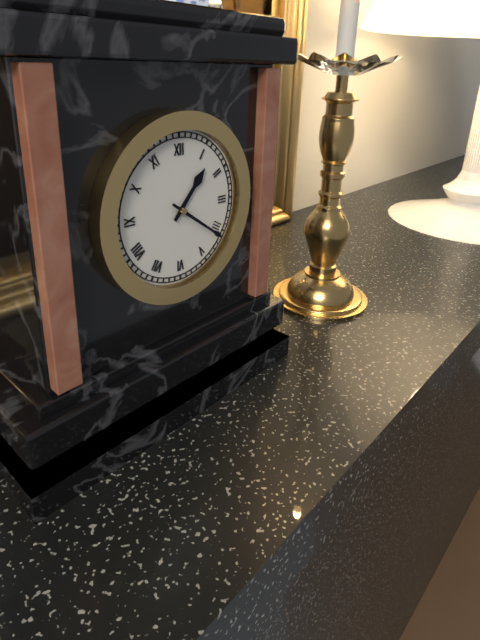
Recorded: {"hour": 1, "minute": 21}
